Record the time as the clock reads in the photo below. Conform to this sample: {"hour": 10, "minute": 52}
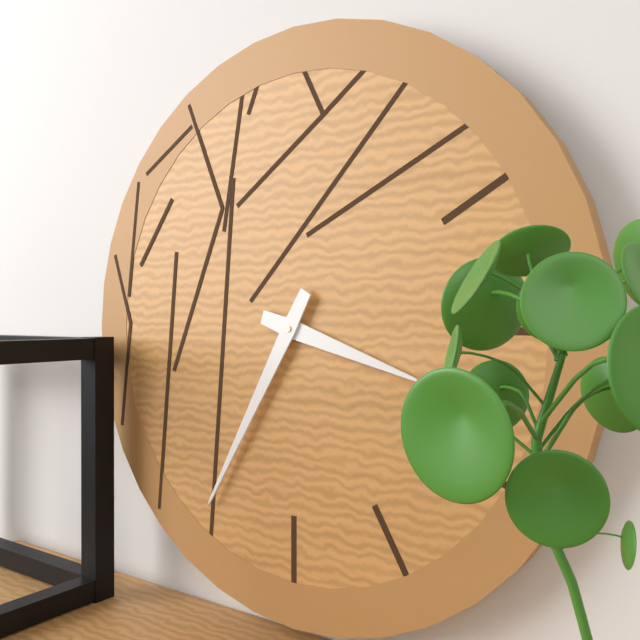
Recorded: {"hour": 3, "minute": 35}
